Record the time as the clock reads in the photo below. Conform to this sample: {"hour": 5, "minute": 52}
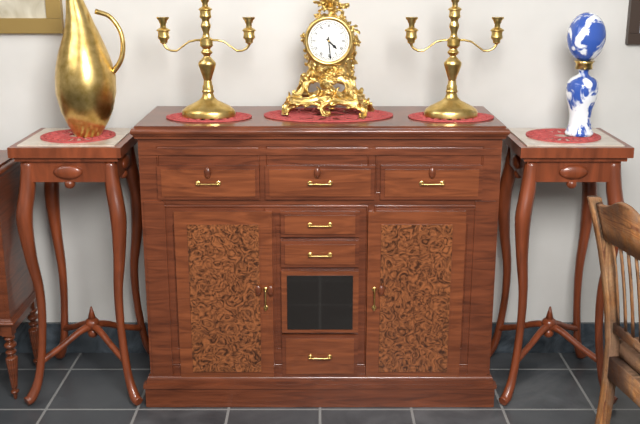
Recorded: {"hour": 4, "minute": 29}
